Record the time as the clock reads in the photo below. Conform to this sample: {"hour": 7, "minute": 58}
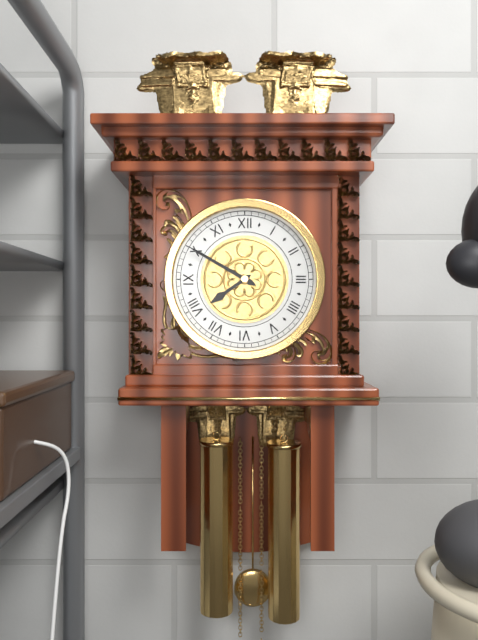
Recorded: {"hour": 7, "minute": 50}
